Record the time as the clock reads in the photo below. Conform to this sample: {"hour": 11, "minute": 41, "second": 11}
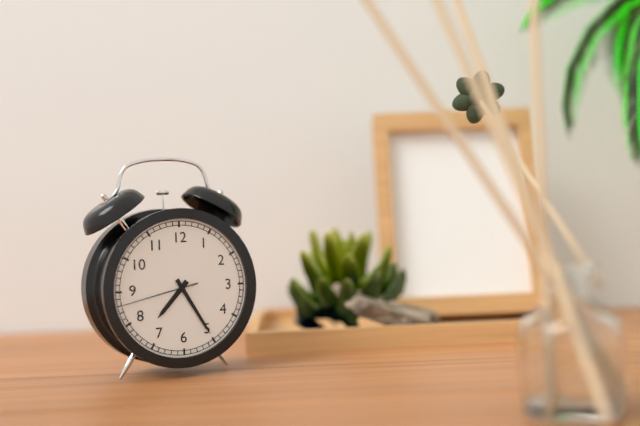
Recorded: {"hour": 7, "minute": 25, "second": 43}
